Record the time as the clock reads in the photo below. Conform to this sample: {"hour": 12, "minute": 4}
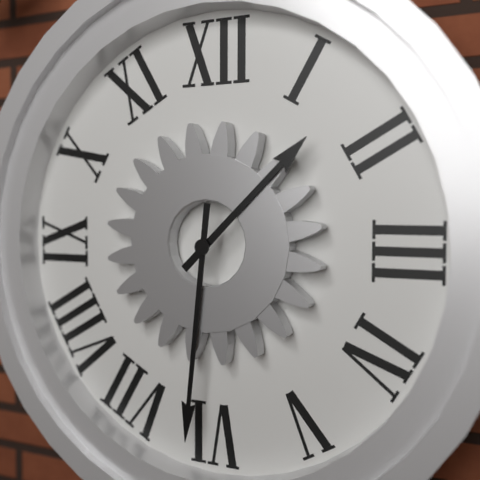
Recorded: {"hour": 1, "minute": 31}
